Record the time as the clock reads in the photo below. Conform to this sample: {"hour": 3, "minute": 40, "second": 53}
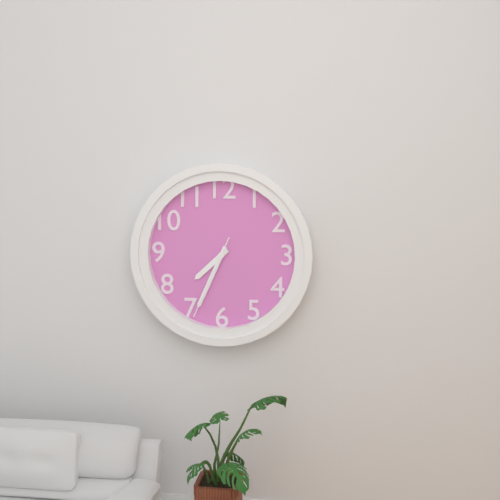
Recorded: {"hour": 7, "minute": 34, "second": 34}
